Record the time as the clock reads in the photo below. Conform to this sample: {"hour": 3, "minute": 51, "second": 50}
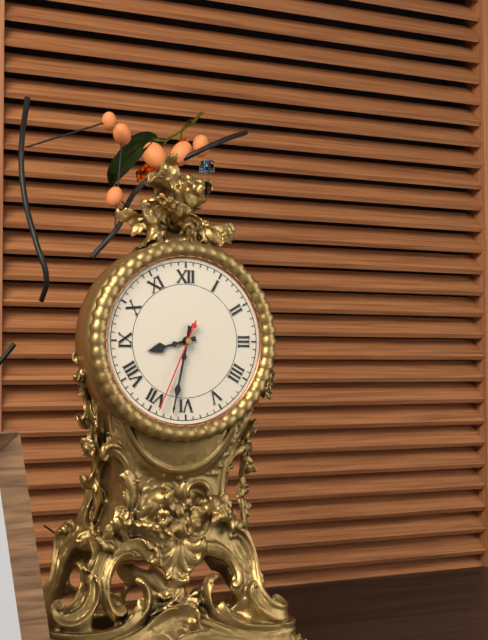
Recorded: {"hour": 8, "minute": 32, "second": 34}
